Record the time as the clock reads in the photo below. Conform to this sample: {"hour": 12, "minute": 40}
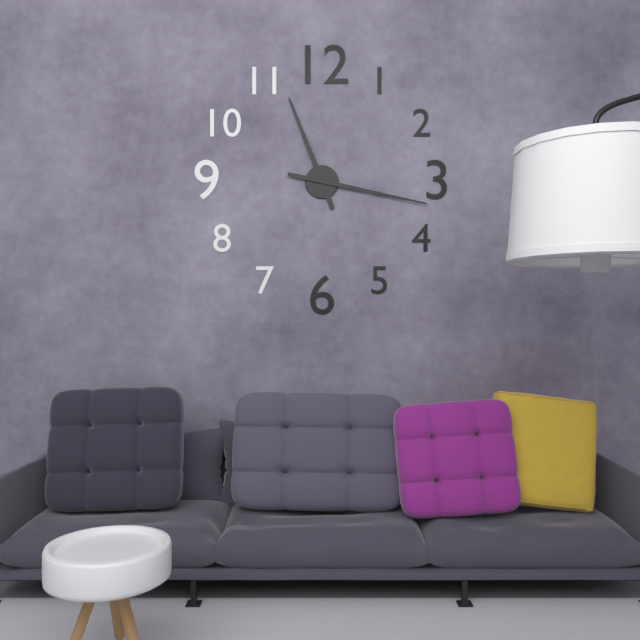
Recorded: {"hour": 11, "minute": 17}
